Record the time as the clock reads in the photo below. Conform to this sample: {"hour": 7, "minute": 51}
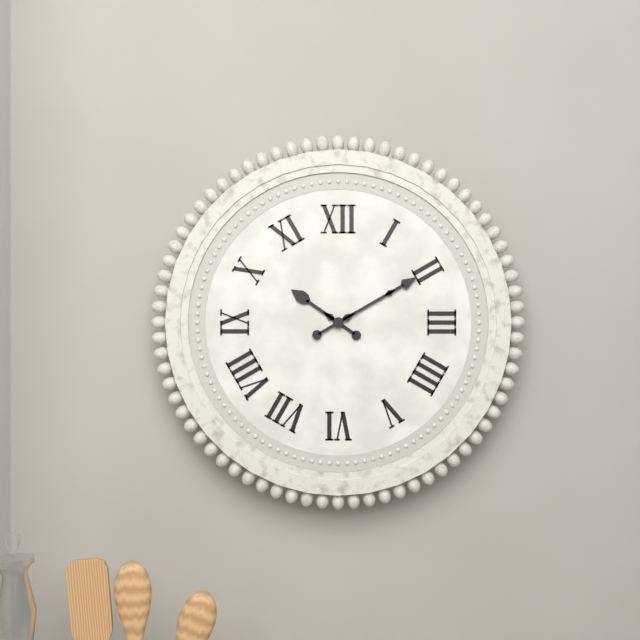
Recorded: {"hour": 10, "minute": 10}
